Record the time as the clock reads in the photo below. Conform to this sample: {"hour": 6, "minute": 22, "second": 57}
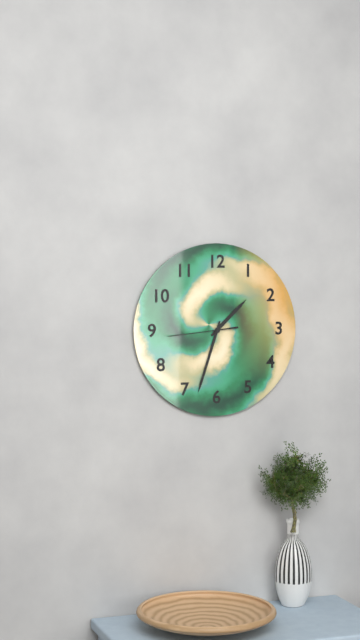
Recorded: {"hour": 1, "minute": 33, "second": 44}
